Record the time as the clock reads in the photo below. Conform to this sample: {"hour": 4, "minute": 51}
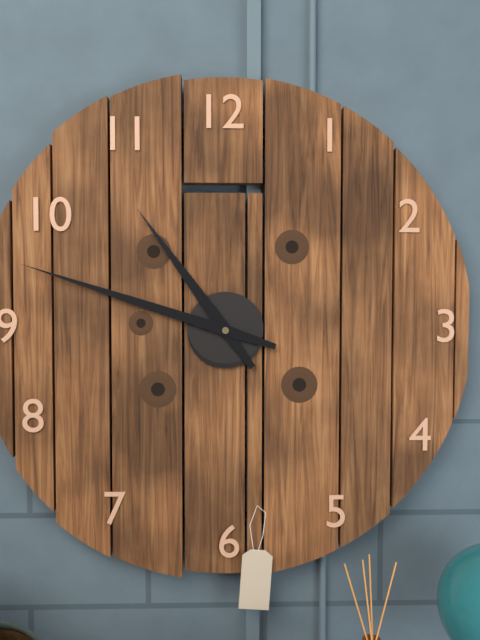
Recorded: {"hour": 10, "minute": 48}
